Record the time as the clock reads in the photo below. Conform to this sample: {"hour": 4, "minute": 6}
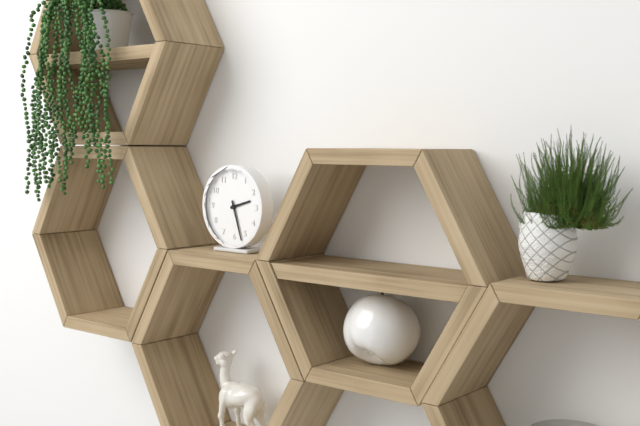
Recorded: {"hour": 2, "minute": 27}
